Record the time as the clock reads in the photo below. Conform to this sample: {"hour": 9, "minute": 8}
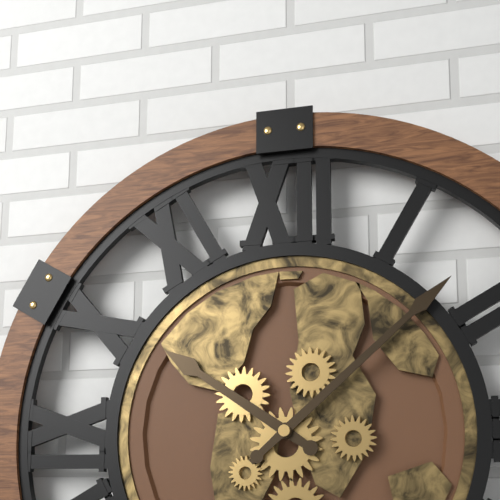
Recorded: {"hour": 10, "minute": 8}
